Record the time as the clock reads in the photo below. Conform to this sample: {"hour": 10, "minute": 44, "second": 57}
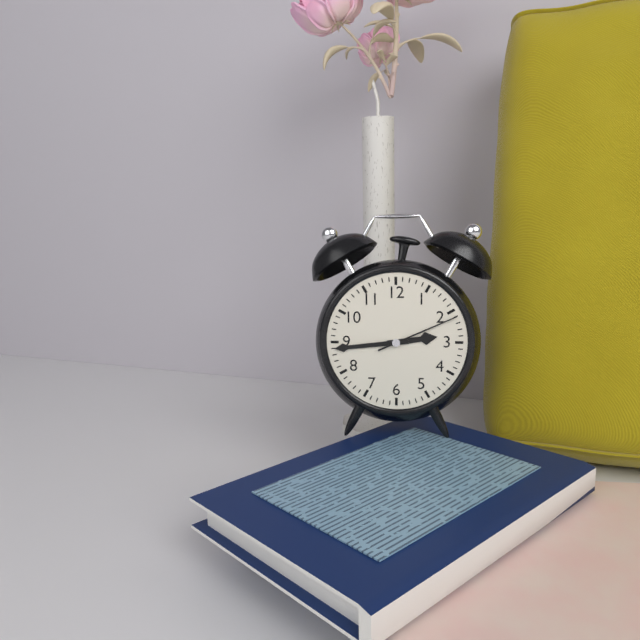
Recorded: {"hour": 2, "minute": 44, "second": 11}
